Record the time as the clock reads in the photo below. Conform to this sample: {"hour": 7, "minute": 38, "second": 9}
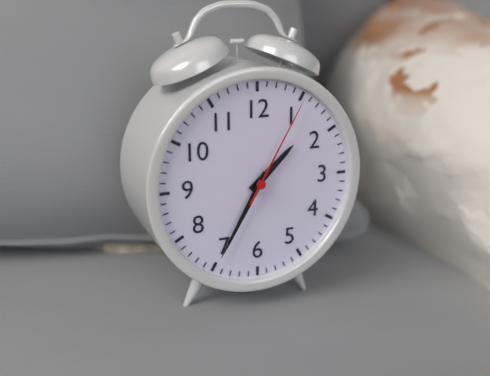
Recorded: {"hour": 1, "minute": 35, "second": 5}
